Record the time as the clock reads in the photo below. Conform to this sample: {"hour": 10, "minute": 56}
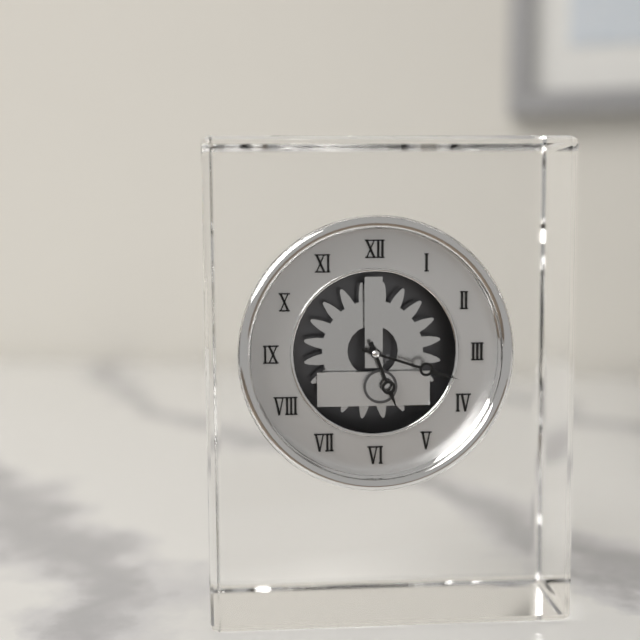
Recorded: {"hour": 5, "minute": 18}
